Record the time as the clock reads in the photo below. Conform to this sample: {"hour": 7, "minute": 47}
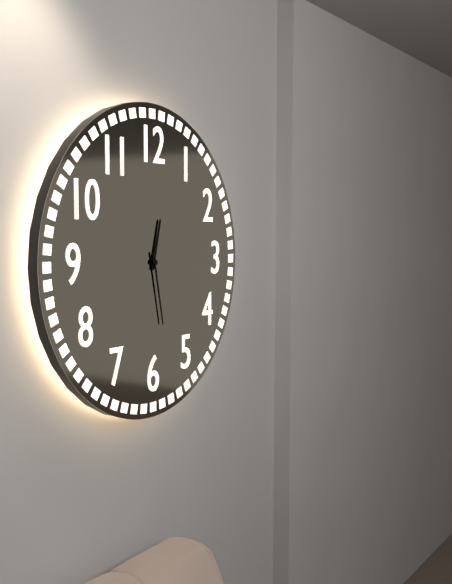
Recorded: {"hour": 12, "minute": 28}
